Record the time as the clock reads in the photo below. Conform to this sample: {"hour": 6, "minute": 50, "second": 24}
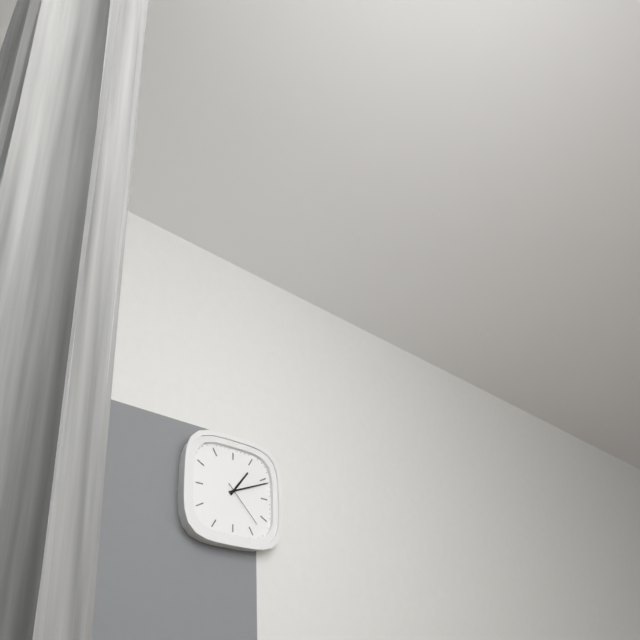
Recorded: {"hour": 1, "minute": 11, "second": 23}
